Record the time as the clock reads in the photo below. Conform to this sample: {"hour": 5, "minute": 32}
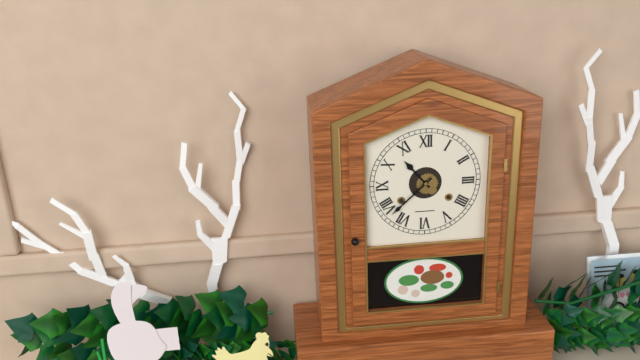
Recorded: {"hour": 10, "minute": 38}
